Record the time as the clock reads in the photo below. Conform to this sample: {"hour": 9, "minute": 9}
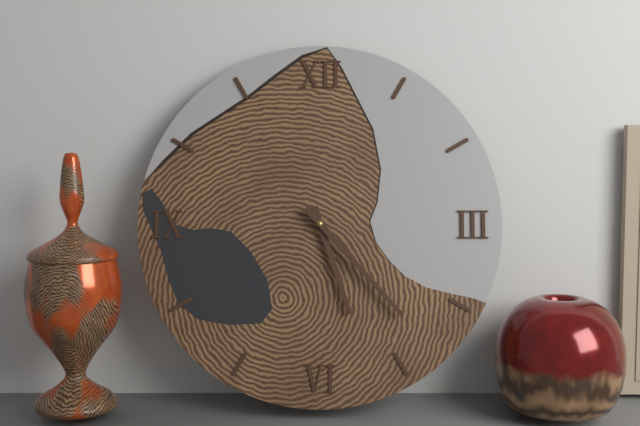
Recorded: {"hour": 5, "minute": 23}
